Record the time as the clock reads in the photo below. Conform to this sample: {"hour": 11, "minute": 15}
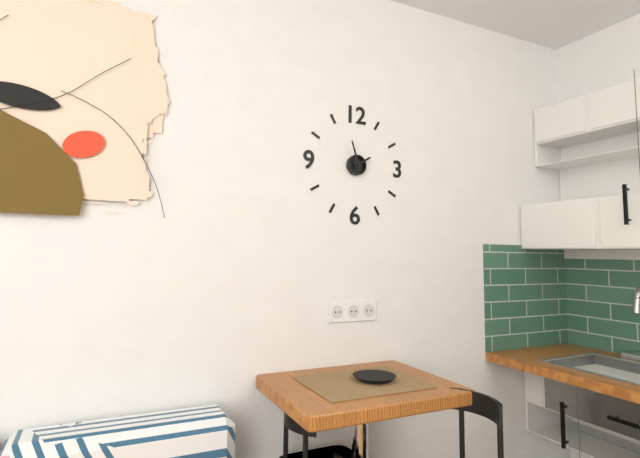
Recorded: {"hour": 1, "minute": 57}
